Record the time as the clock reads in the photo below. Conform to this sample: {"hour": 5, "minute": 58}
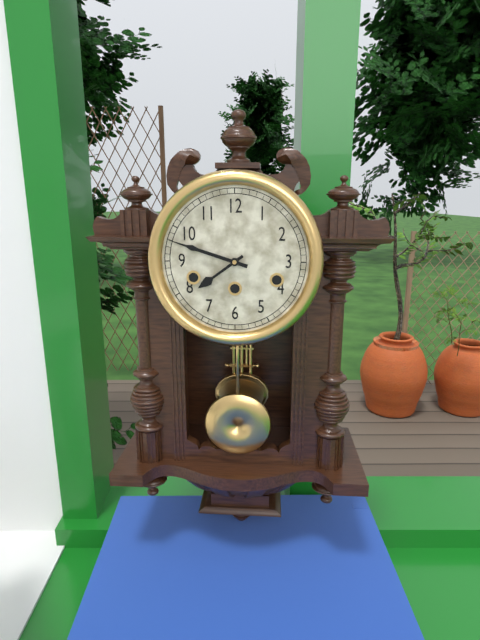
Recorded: {"hour": 7, "minute": 48}
